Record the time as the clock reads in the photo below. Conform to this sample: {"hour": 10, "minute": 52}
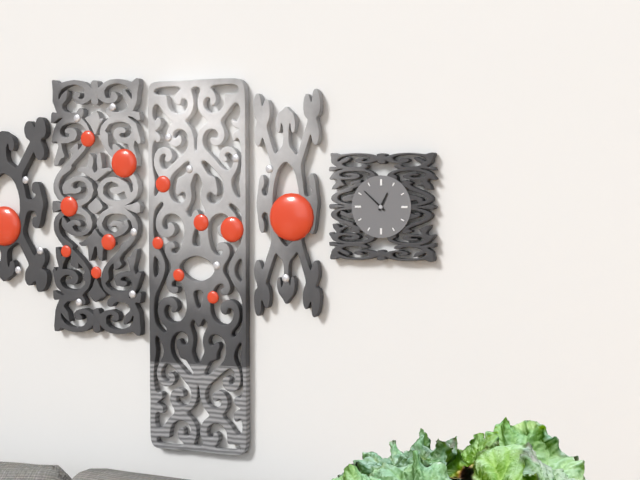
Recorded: {"hour": 12, "minute": 52}
